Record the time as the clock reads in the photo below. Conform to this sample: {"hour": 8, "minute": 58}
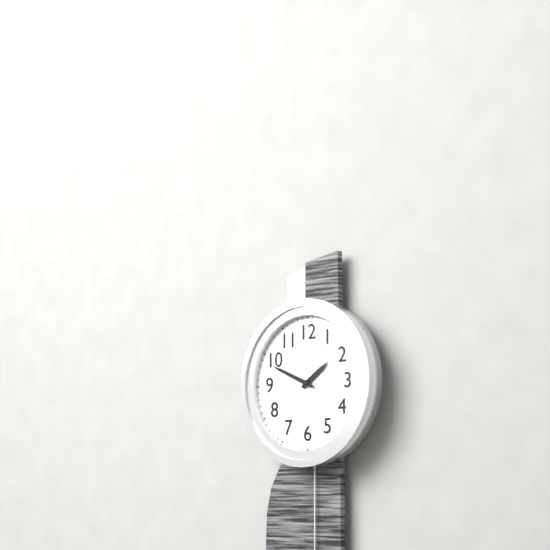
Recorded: {"hour": 1, "minute": 49}
